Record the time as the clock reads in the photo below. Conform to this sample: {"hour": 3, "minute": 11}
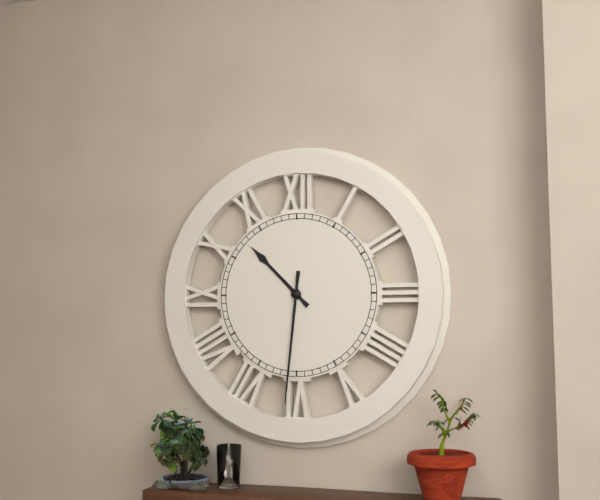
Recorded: {"hour": 10, "minute": 31}
